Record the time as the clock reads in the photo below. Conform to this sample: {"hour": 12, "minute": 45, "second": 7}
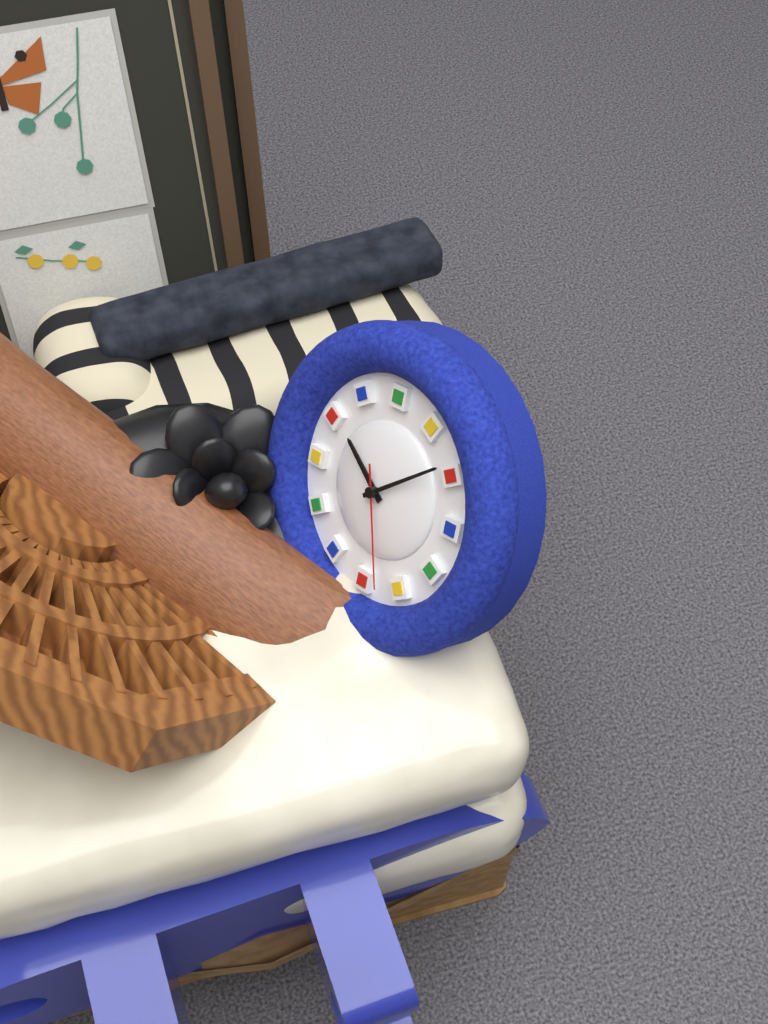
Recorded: {"hour": 11, "minute": 14, "second": 32}
